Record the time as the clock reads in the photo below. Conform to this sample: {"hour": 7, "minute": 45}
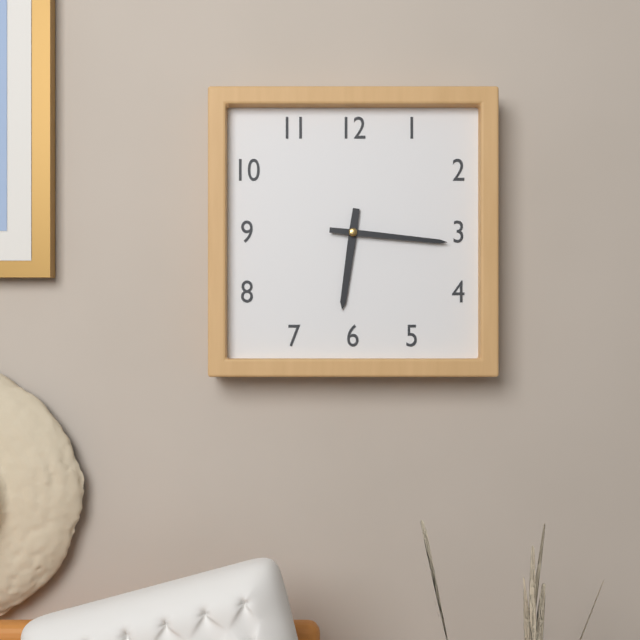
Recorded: {"hour": 6, "minute": 16}
